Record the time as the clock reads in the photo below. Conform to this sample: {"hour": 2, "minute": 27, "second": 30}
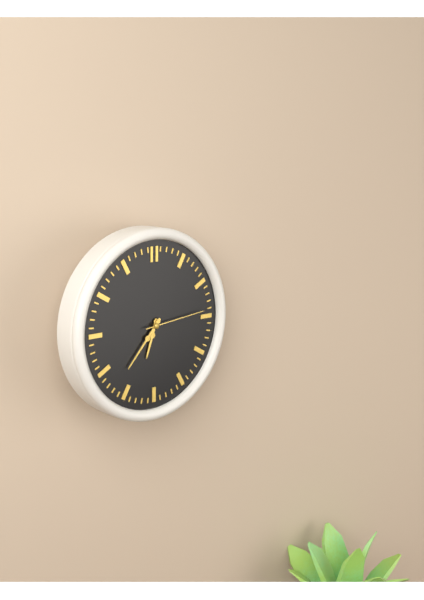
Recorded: {"hour": 6, "minute": 37, "second": 14}
